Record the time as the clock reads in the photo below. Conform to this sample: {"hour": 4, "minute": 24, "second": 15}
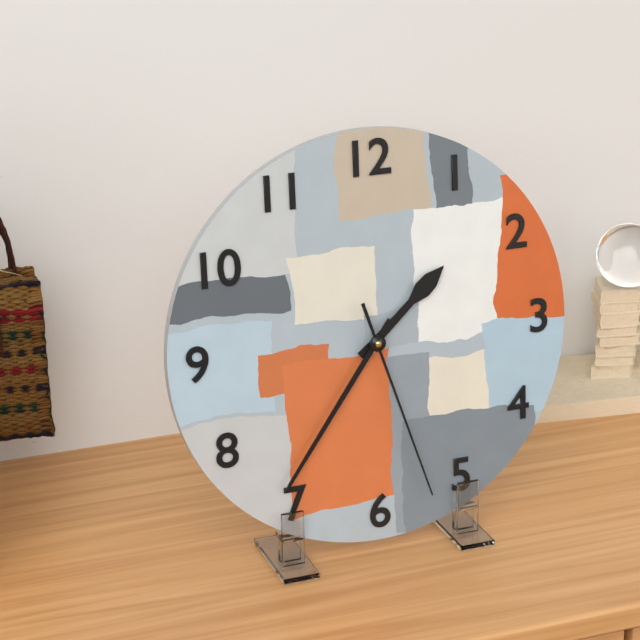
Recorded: {"hour": 1, "minute": 36, "second": 27}
